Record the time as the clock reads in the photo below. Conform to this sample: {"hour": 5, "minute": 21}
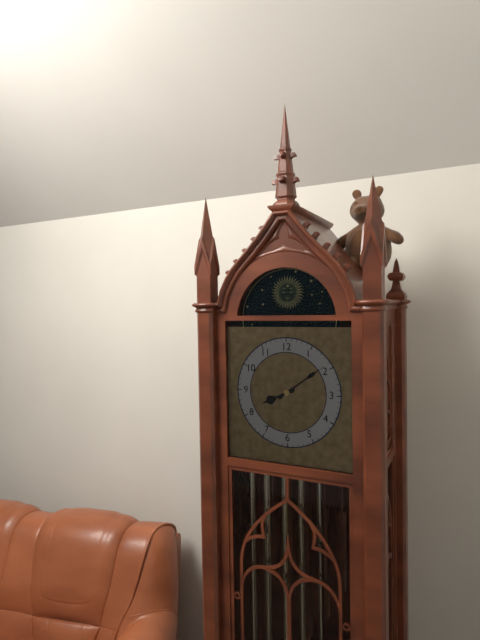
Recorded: {"hour": 8, "minute": 9}
